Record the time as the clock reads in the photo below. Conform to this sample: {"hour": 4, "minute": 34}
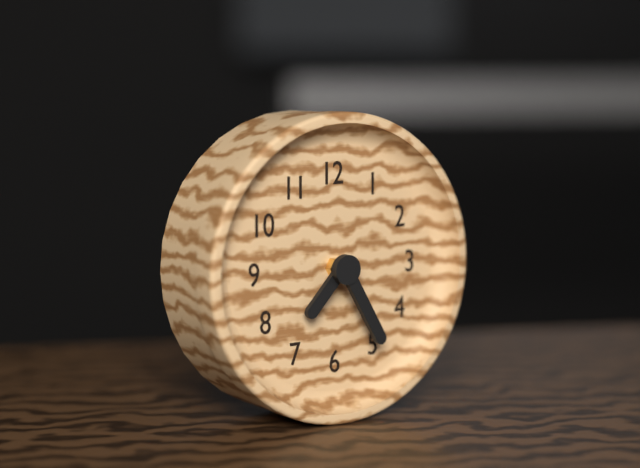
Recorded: {"hour": 7, "minute": 25}
